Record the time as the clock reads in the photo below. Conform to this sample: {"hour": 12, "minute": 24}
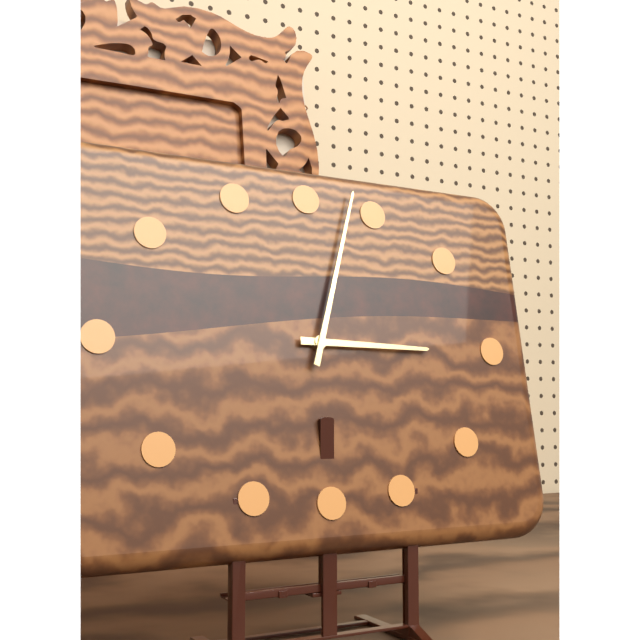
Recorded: {"hour": 3, "minute": 3}
